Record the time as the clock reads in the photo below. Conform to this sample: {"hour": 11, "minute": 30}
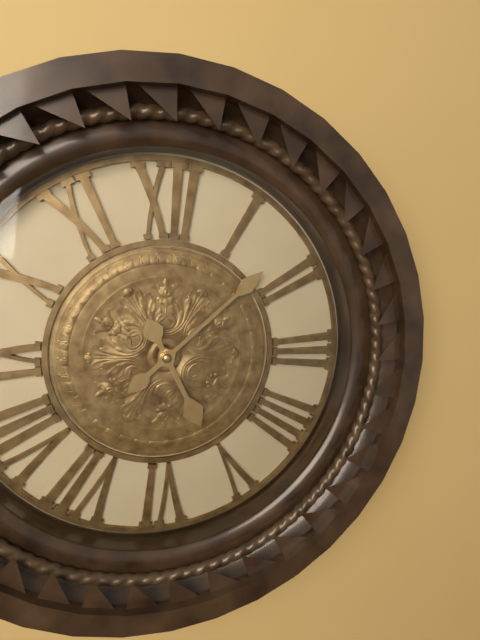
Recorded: {"hour": 5, "minute": 8}
